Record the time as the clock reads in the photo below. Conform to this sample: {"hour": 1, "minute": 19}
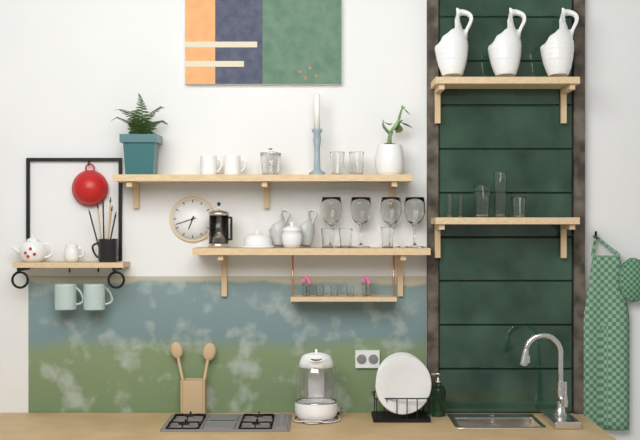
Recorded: {"hour": 6, "minute": 42}
